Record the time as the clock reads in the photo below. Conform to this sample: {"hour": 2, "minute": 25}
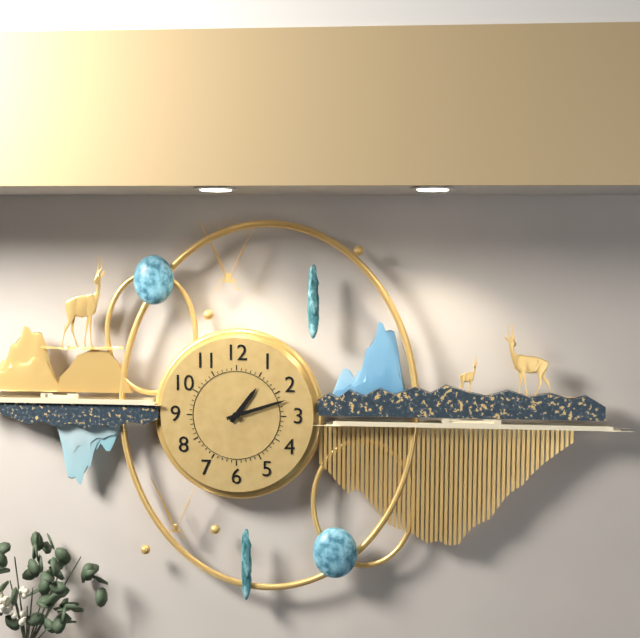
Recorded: {"hour": 1, "minute": 12}
